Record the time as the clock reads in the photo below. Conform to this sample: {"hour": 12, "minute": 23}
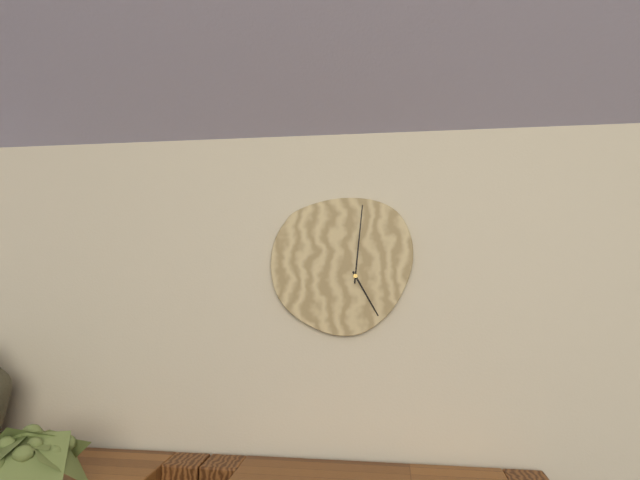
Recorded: {"hour": 5, "minute": 1}
